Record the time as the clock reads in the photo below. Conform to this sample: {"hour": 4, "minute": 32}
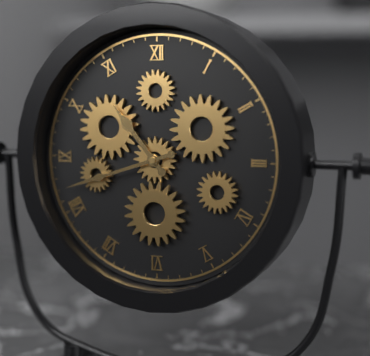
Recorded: {"hour": 10, "minute": 42}
